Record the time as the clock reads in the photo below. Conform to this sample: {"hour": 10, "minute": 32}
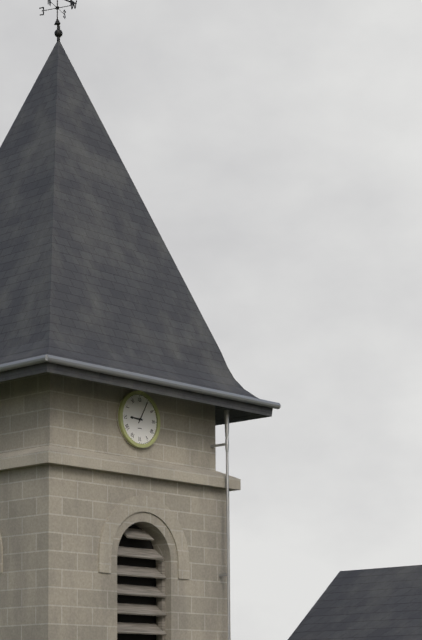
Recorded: {"hour": 9, "minute": 5}
